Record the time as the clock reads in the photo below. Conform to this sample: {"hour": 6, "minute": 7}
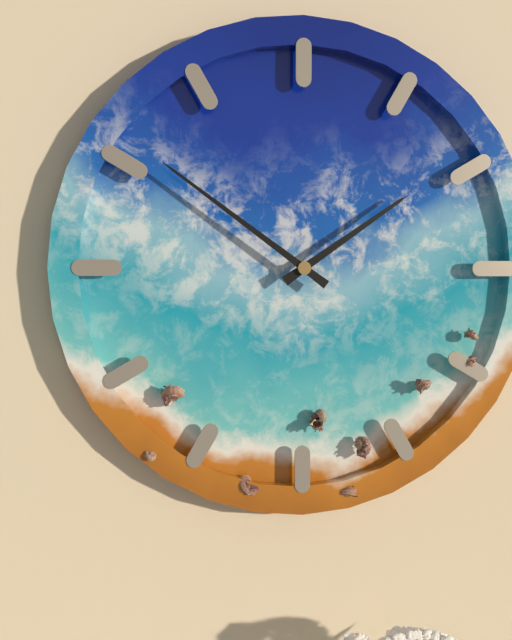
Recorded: {"hour": 1, "minute": 51}
